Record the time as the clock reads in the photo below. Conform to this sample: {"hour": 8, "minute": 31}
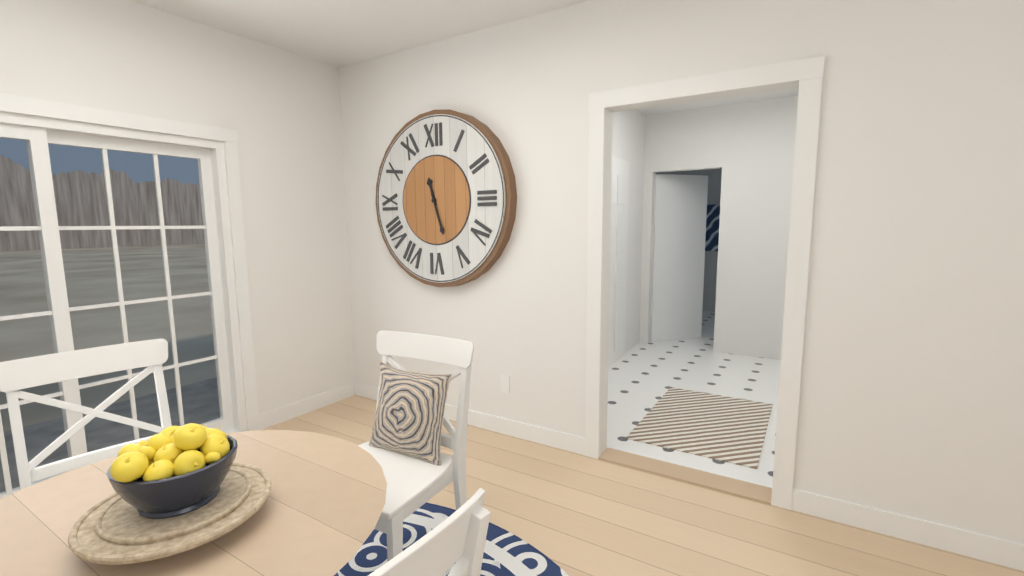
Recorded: {"hour": 11, "minute": 27}
